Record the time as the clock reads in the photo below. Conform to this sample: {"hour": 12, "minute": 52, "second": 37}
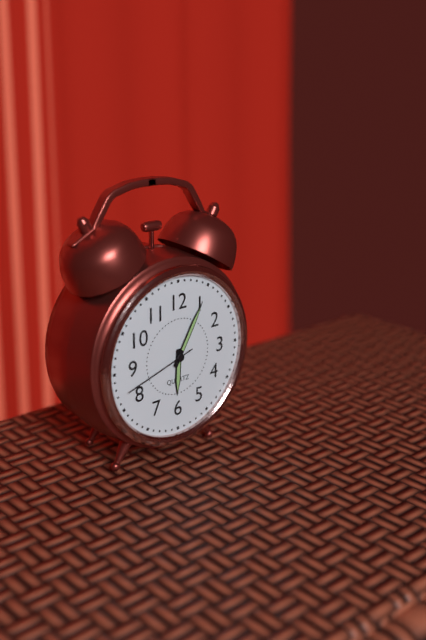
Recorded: {"hour": 6, "minute": 5, "second": 42}
